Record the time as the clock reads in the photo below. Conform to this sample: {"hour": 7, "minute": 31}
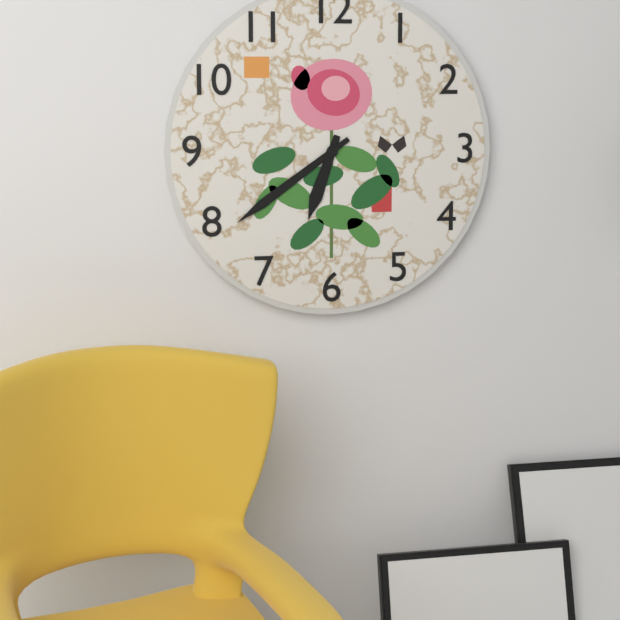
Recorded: {"hour": 6, "minute": 39}
